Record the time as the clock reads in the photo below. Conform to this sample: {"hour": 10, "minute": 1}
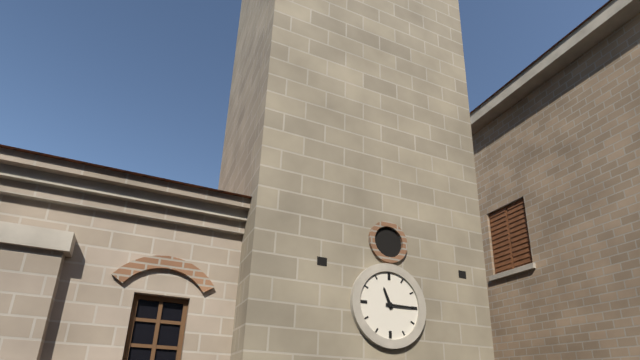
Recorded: {"hour": 11, "minute": 15}
